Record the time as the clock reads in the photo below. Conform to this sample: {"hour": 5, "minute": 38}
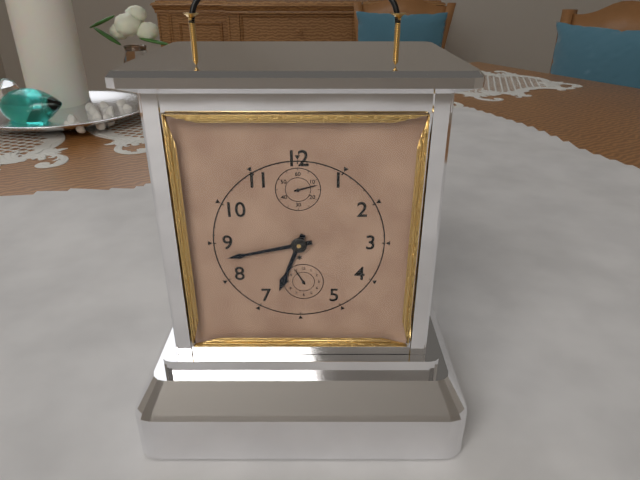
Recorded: {"hour": 6, "minute": 43}
